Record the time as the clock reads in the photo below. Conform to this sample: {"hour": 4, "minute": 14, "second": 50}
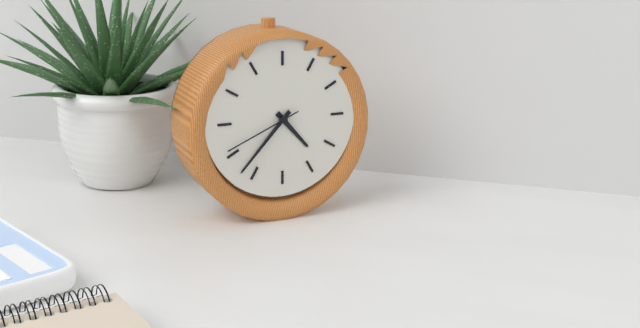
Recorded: {"hour": 4, "minute": 37, "second": 41}
